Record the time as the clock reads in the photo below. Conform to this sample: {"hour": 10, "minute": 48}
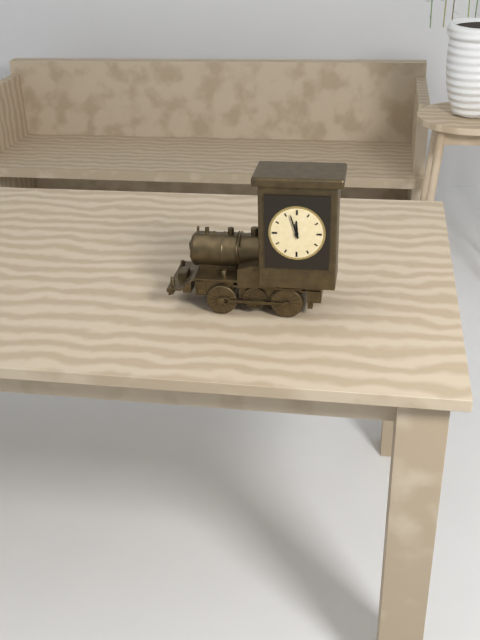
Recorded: {"hour": 11, "minute": 57}
